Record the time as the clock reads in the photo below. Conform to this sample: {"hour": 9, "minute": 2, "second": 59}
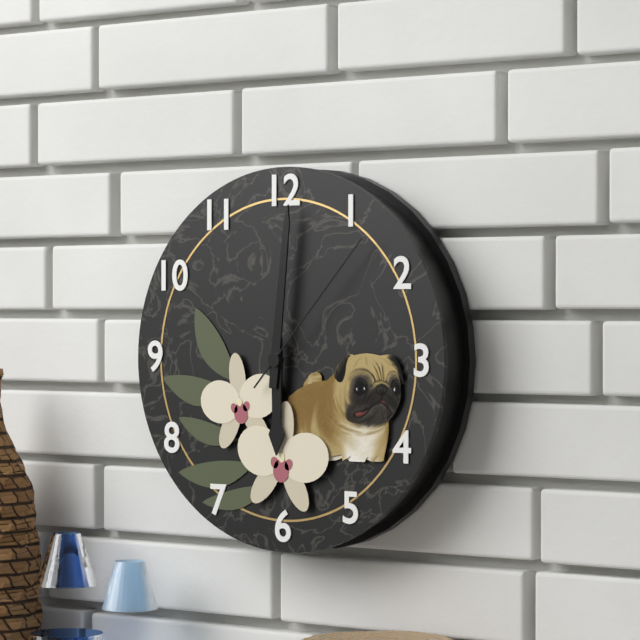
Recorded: {"hour": 6, "minute": 1, "second": 7}
